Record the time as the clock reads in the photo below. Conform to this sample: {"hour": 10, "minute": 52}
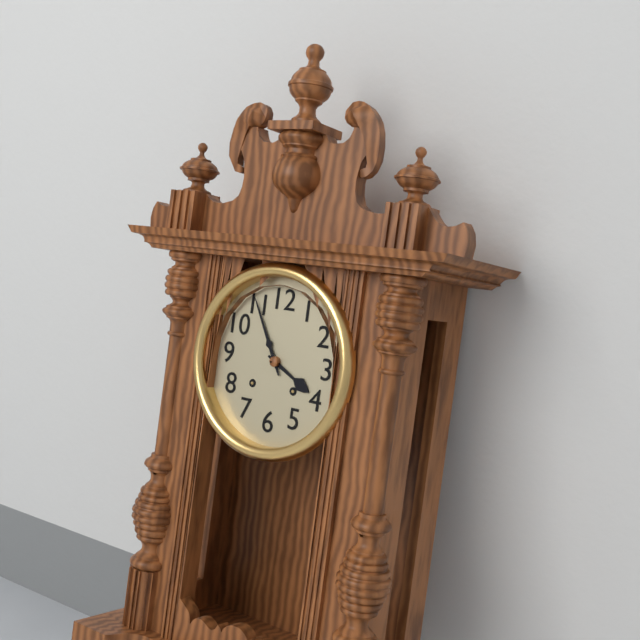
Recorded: {"hour": 3, "minute": 55}
